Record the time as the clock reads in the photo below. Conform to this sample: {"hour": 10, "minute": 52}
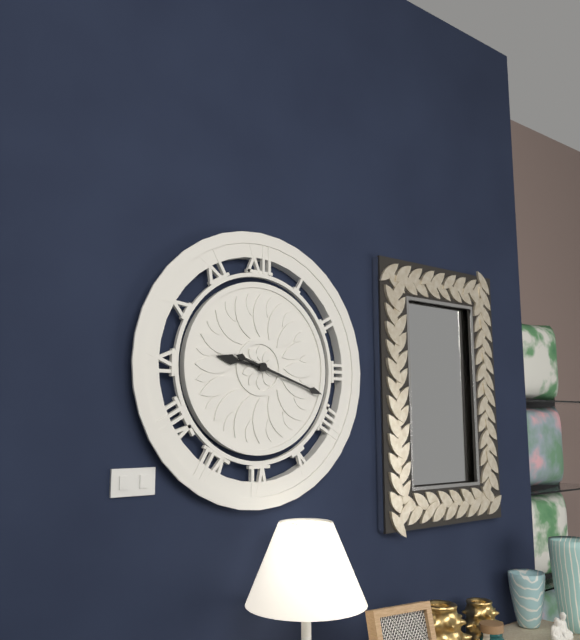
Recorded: {"hour": 9, "minute": 18}
